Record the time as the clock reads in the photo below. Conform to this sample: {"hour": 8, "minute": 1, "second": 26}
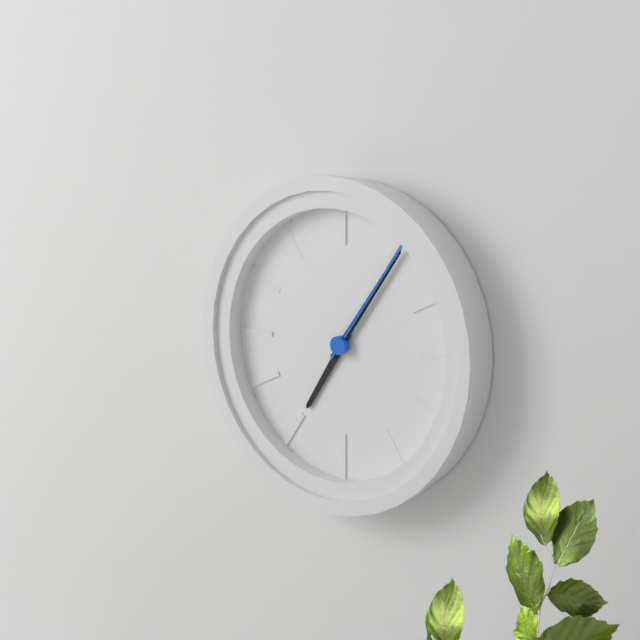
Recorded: {"hour": 7, "minute": 6, "second": 6}
